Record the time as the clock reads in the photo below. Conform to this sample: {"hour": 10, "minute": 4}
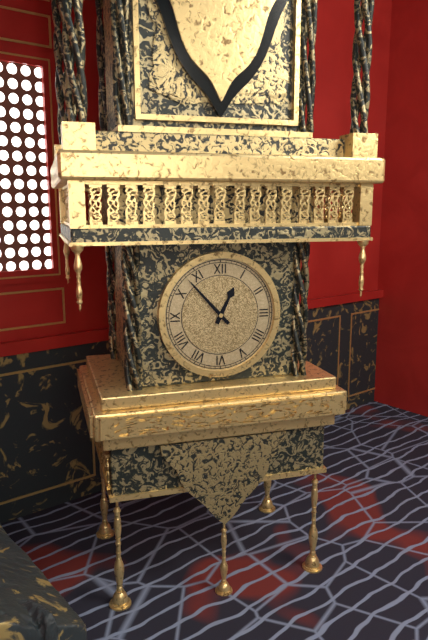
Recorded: {"hour": 12, "minute": 53}
